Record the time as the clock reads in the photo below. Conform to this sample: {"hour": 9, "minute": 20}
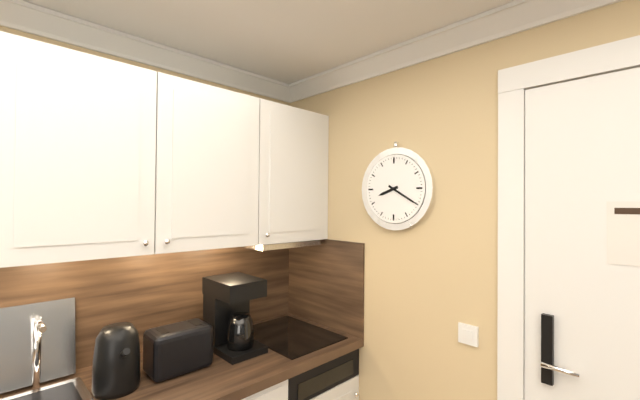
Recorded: {"hour": 8, "minute": 20}
